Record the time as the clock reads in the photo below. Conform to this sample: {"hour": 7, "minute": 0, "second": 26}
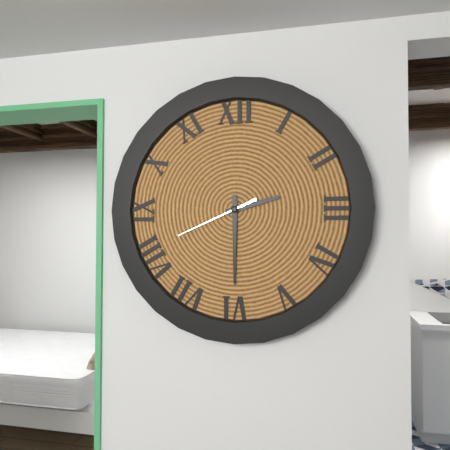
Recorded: {"hour": 2, "minute": 30, "second": 41}
